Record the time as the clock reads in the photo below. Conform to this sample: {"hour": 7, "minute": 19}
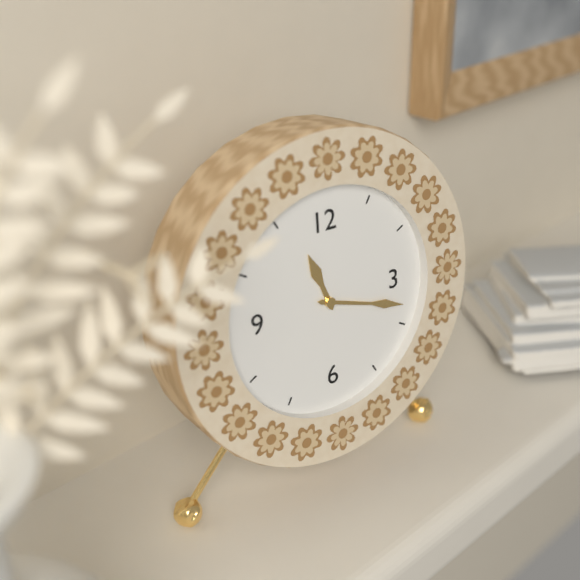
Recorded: {"hour": 11, "minute": 18}
